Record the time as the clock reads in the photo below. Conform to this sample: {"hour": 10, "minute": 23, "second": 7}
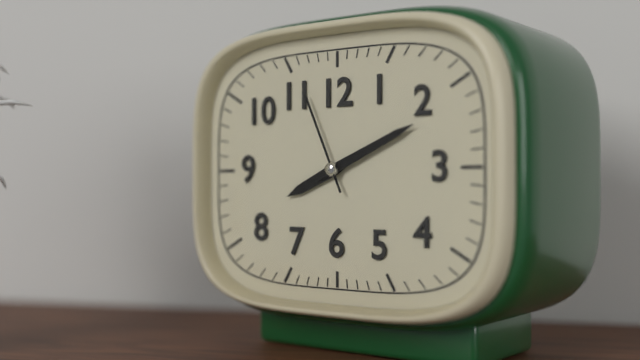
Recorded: {"hour": 8, "minute": 11, "second": 56}
